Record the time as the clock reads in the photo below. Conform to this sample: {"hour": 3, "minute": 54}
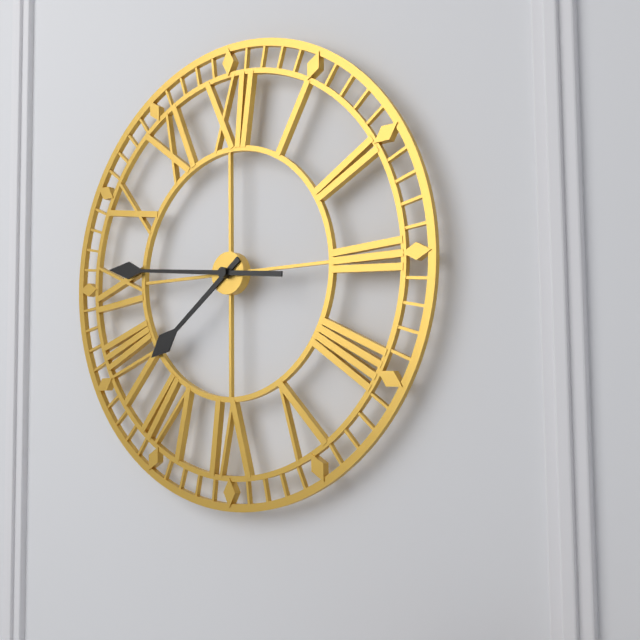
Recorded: {"hour": 7, "minute": 46}
